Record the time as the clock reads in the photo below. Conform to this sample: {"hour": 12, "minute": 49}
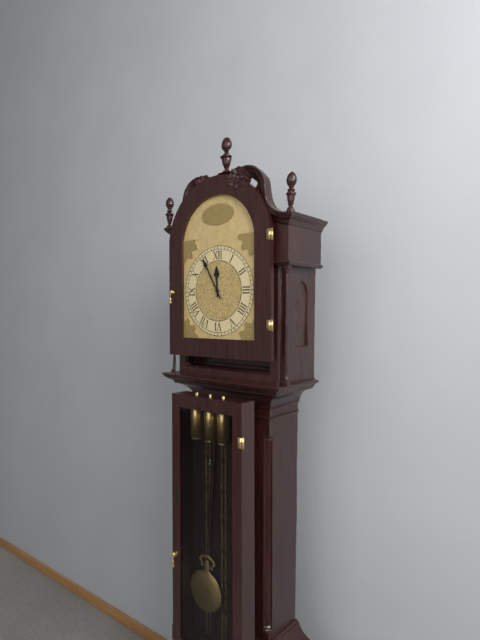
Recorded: {"hour": 11, "minute": 55}
